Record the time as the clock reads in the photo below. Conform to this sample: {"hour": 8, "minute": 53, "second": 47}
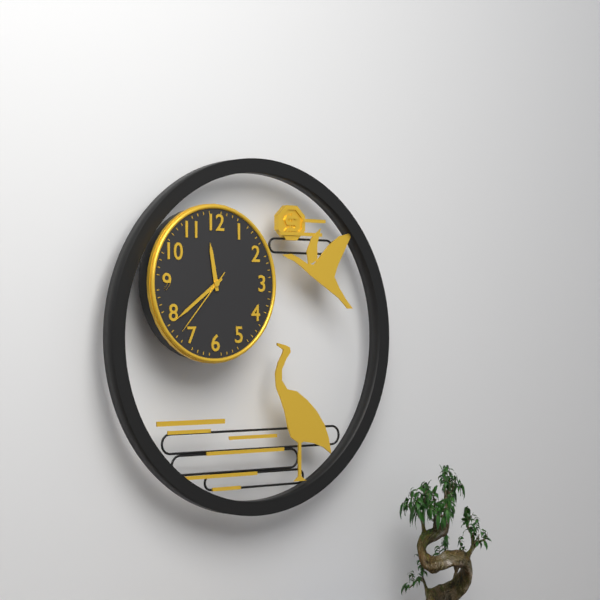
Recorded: {"hour": 11, "minute": 39, "second": 37}
